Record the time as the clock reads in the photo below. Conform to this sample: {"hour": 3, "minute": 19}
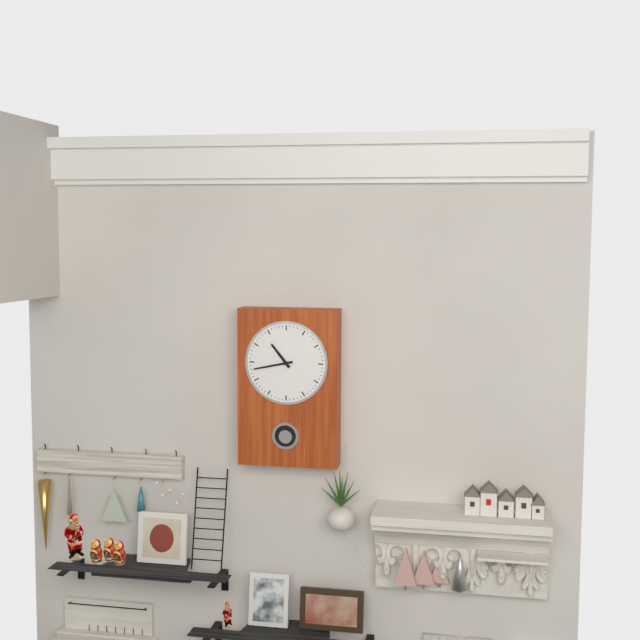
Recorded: {"hour": 10, "minute": 43}
